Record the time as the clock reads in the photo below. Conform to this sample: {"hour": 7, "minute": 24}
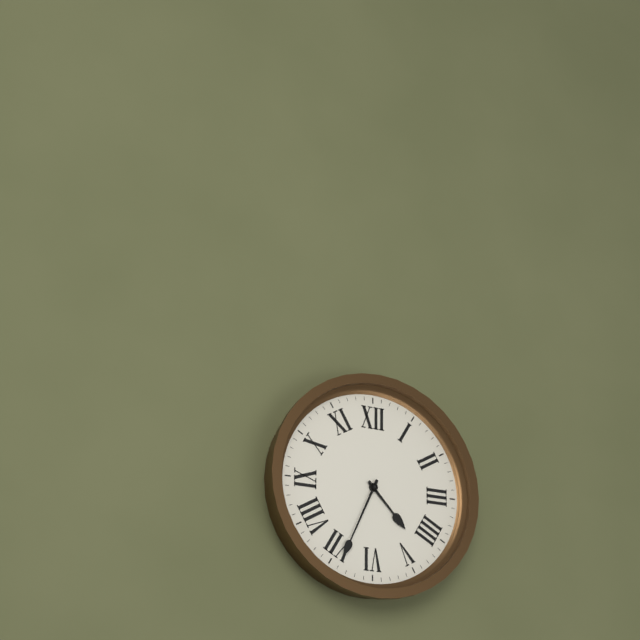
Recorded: {"hour": 4, "minute": 34}
